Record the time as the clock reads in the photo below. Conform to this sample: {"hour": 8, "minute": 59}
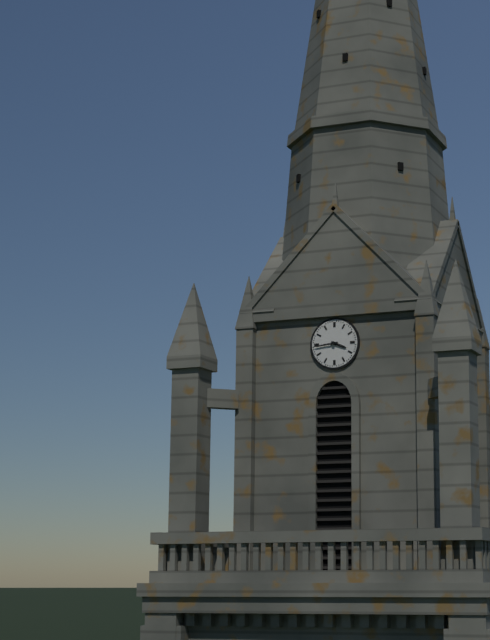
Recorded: {"hour": 3, "minute": 44}
